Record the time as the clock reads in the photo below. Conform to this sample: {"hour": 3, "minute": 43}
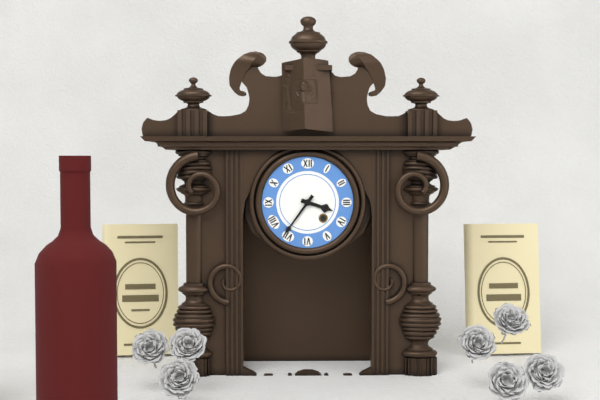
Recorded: {"hour": 3, "minute": 36}
